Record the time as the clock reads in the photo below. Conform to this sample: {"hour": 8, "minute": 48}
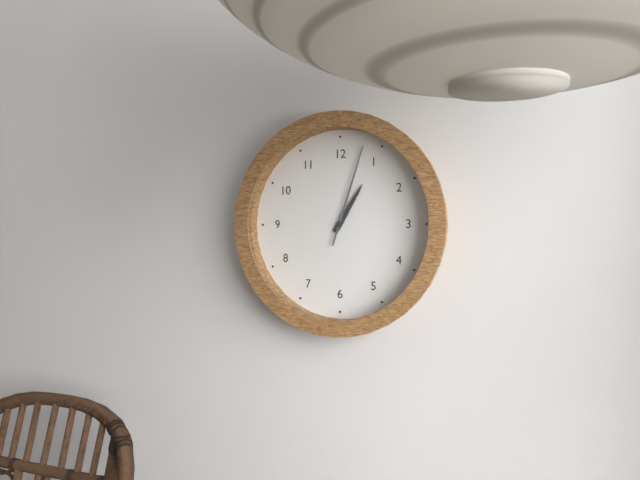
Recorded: {"hour": 1, "minute": 3}
